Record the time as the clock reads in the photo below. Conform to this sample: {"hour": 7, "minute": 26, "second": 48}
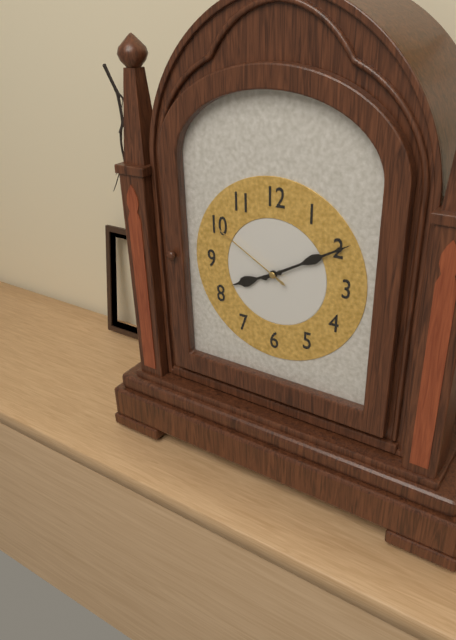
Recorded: {"hour": 8, "minute": 10, "second": 50}
